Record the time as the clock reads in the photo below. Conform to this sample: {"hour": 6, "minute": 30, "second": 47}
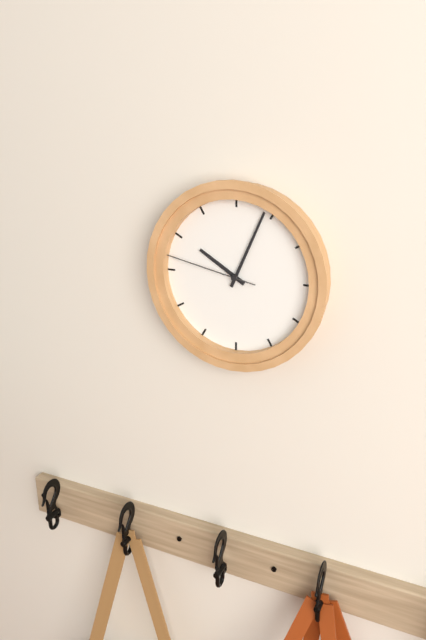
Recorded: {"hour": 10, "minute": 4, "second": 47}
